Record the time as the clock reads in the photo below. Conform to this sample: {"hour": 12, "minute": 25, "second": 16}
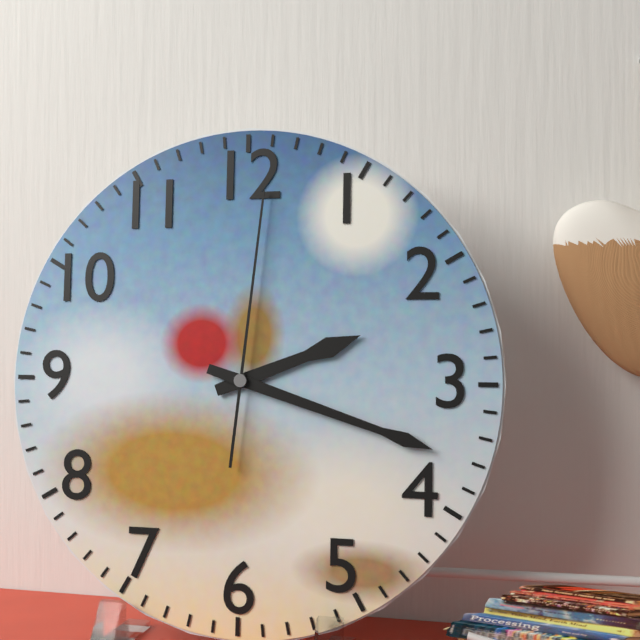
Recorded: {"hour": 2, "minute": 18, "second": 1}
